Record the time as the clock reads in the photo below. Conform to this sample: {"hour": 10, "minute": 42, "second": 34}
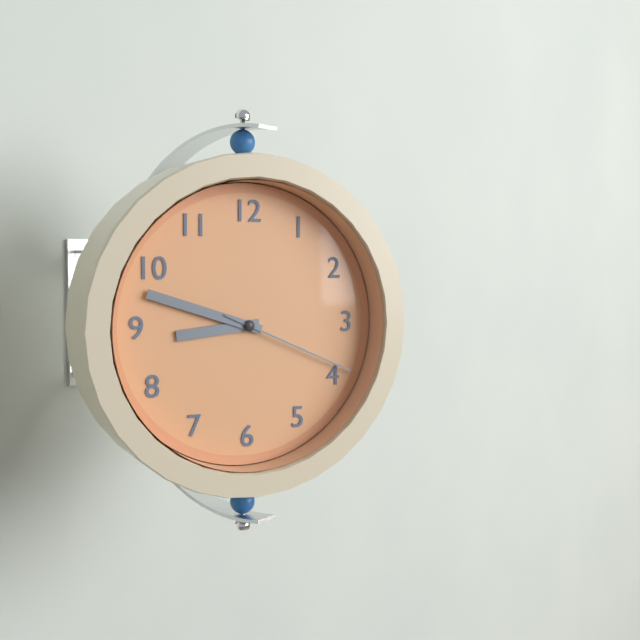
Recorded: {"hour": 8, "minute": 48, "second": 19}
